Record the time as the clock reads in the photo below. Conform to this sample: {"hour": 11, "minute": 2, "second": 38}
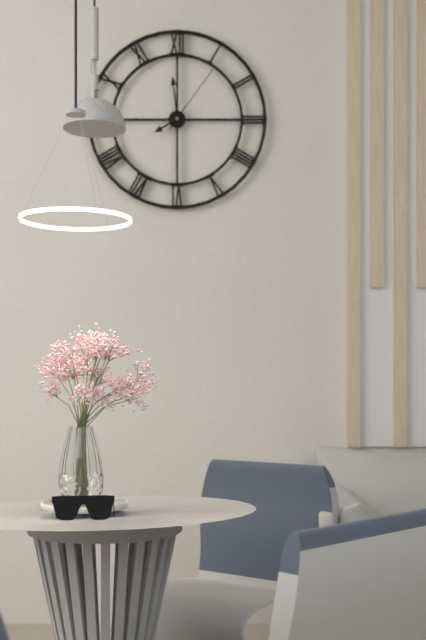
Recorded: {"hour": 7, "minute": 59, "second": 6}
